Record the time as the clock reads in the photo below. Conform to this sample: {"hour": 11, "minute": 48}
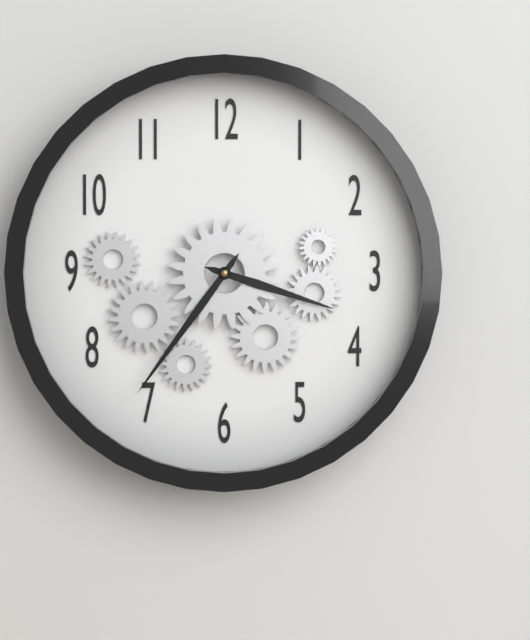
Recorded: {"hour": 3, "minute": 36}
